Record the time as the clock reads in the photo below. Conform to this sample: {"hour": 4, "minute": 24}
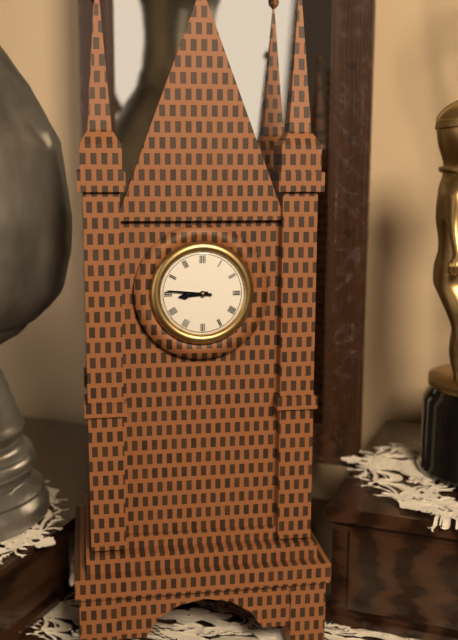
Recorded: {"hour": 8, "minute": 46}
